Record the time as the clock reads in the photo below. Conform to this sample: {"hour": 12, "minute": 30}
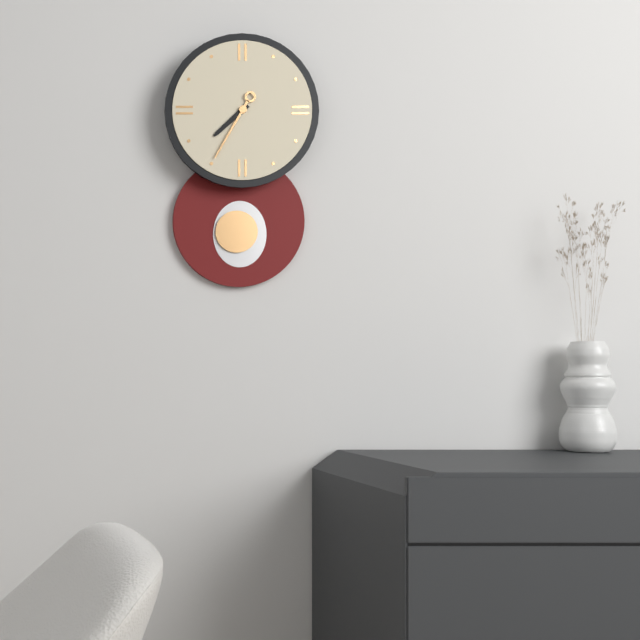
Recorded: {"hour": 7, "minute": 35}
